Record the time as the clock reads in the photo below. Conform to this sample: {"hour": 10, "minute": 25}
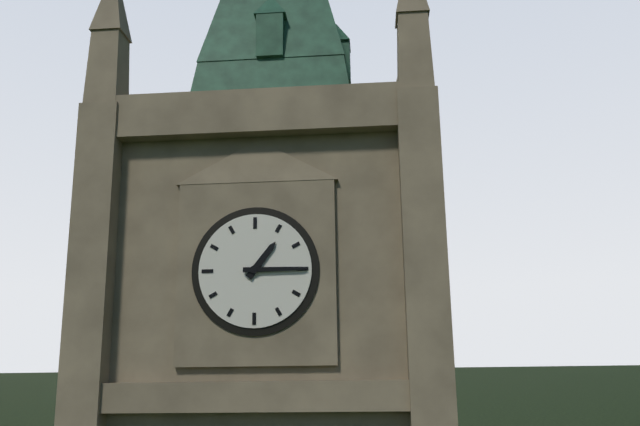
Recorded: {"hour": 1, "minute": 15}
